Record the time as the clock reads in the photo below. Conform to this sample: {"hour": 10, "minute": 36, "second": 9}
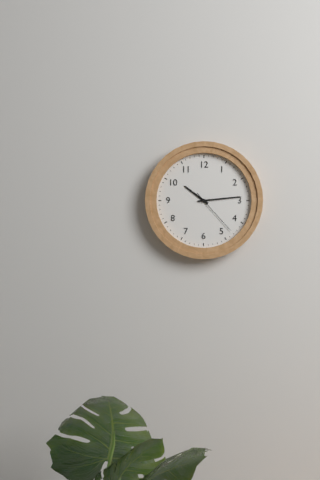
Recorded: {"hour": 10, "minute": 14, "second": 23}
